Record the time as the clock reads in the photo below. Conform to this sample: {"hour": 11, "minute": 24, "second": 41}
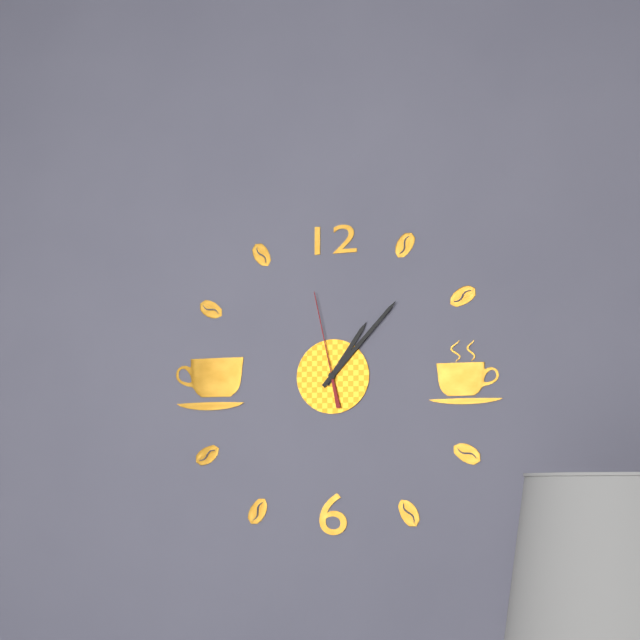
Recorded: {"hour": 1, "minute": 7, "second": 58}
